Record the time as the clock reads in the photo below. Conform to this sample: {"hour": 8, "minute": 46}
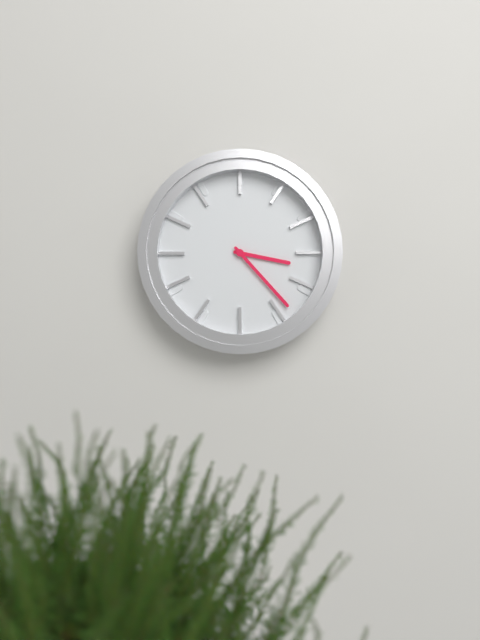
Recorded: {"hour": 3, "minute": 23}
